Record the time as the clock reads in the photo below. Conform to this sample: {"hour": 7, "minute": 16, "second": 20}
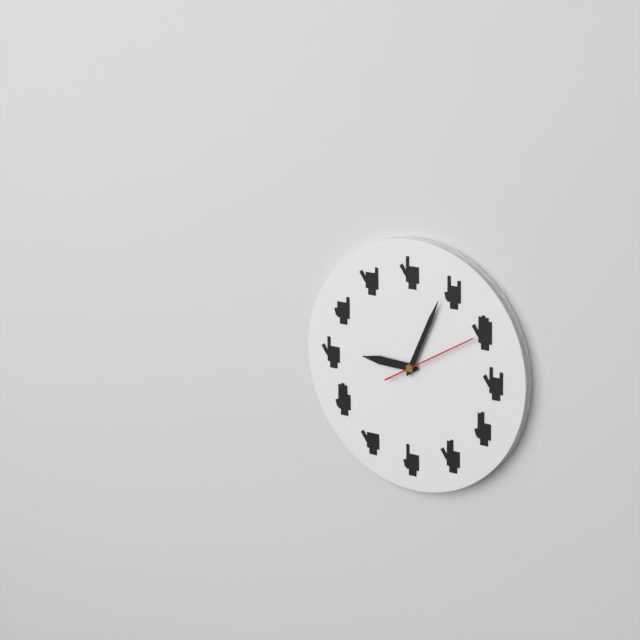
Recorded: {"hour": 9, "minute": 4, "second": 10}
